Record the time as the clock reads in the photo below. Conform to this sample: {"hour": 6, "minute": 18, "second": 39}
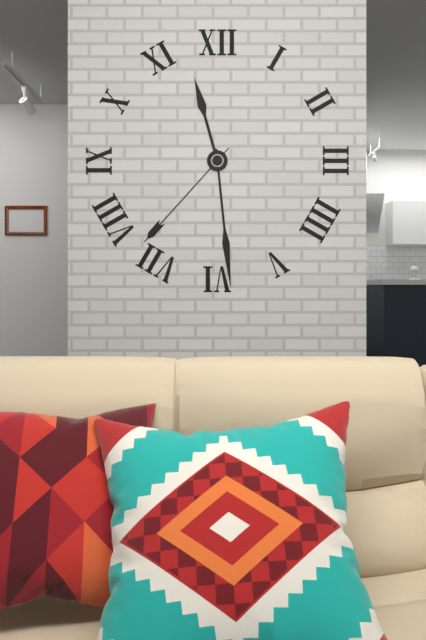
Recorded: {"hour": 11, "minute": 29, "second": 37}
